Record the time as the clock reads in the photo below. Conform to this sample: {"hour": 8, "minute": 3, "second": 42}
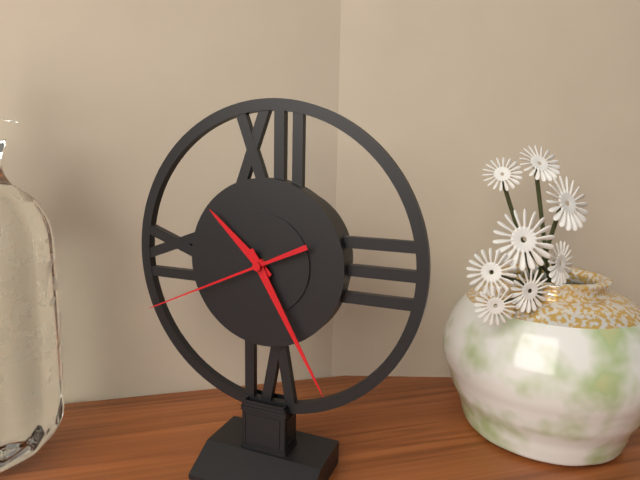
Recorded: {"hour": 10, "minute": 25, "second": 41}
